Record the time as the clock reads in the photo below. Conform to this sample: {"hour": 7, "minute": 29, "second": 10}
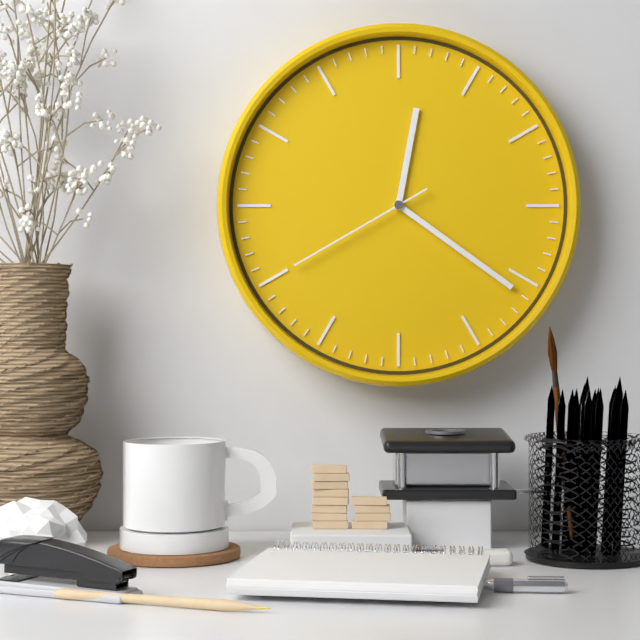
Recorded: {"hour": 12, "minute": 21, "second": 40}
